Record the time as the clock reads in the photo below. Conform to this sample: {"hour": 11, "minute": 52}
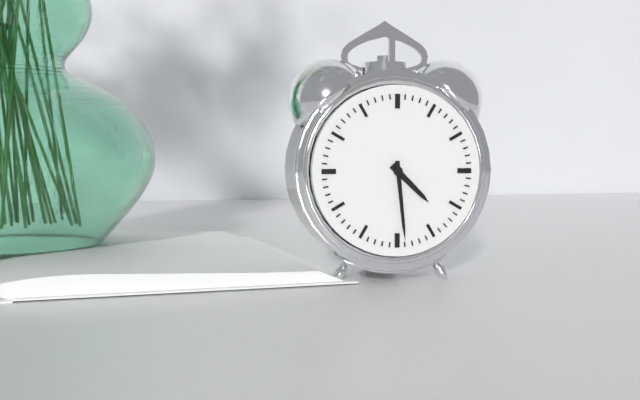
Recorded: {"hour": 4, "minute": 29}
